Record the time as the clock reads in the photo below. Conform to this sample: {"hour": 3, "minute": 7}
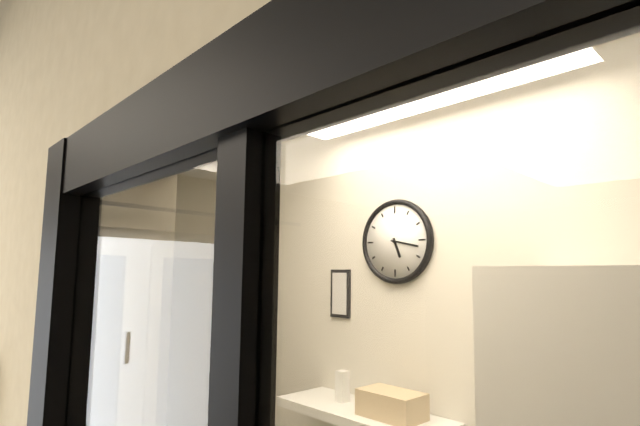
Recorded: {"hour": 5, "minute": 17}
